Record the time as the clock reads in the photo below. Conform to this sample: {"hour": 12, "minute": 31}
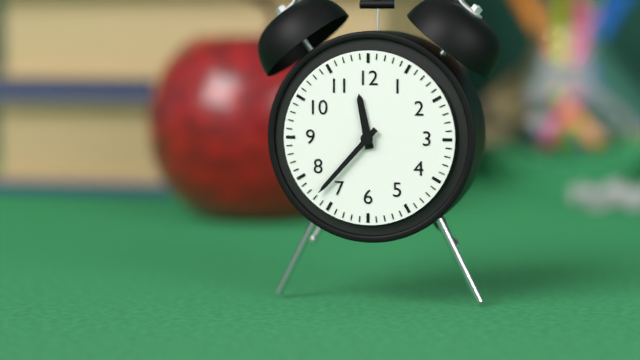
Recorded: {"hour": 11, "minute": 37}
